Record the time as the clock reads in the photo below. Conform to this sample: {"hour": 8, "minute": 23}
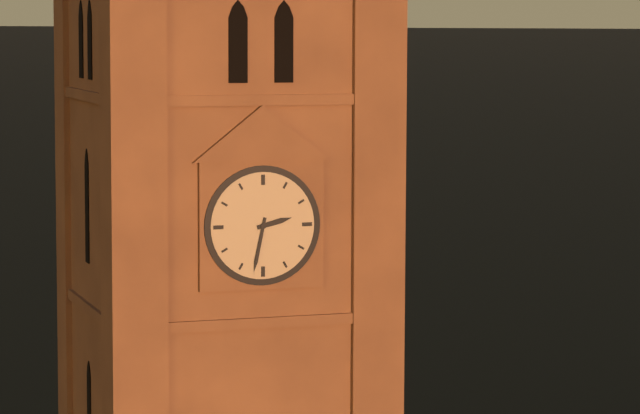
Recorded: {"hour": 2, "minute": 32}
